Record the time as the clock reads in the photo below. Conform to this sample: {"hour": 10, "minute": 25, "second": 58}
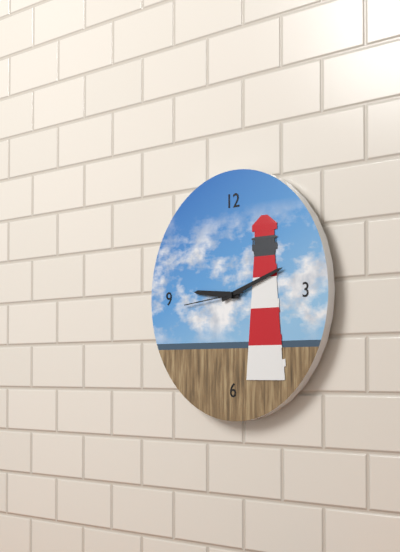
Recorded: {"hour": 9, "minute": 12, "second": 44}
